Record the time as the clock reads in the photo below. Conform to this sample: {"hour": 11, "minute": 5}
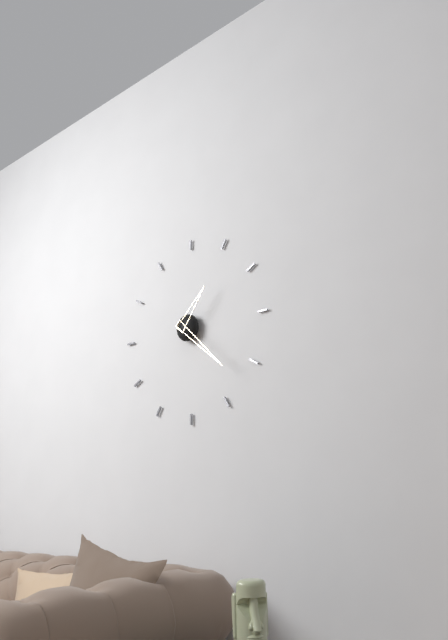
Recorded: {"hour": 1, "minute": 22}
